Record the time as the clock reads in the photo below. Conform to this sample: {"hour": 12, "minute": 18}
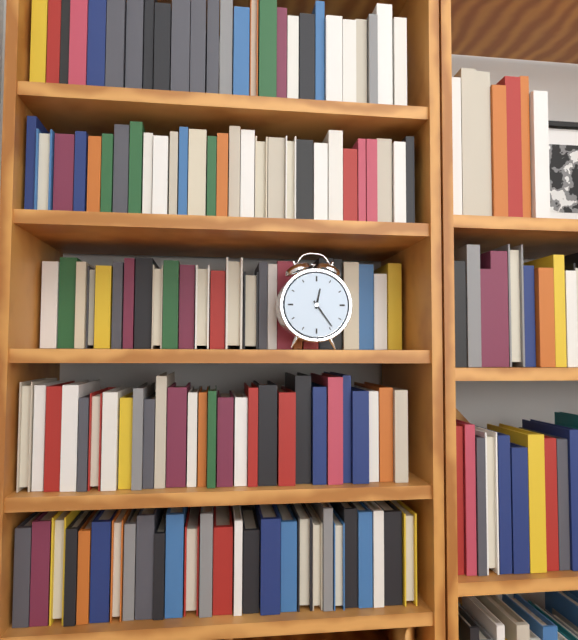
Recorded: {"hour": 12, "minute": 24}
